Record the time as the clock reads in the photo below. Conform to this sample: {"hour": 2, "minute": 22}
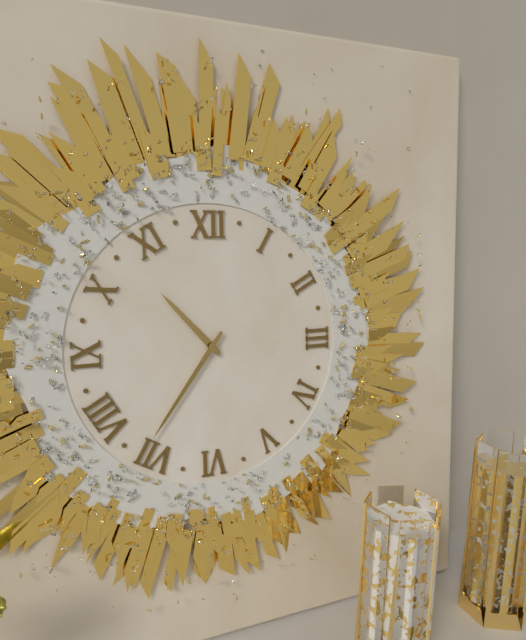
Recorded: {"hour": 10, "minute": 36}
